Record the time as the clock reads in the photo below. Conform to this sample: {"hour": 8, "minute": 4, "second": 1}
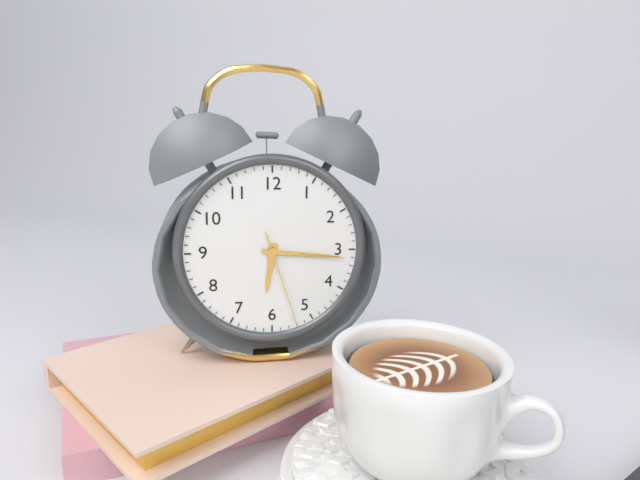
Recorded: {"hour": 6, "minute": 16, "second": 27}
